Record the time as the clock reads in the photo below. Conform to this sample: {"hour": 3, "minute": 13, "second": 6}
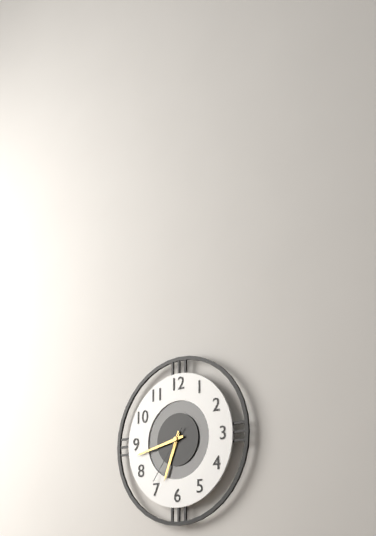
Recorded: {"hour": 6, "minute": 43, "second": 36}
